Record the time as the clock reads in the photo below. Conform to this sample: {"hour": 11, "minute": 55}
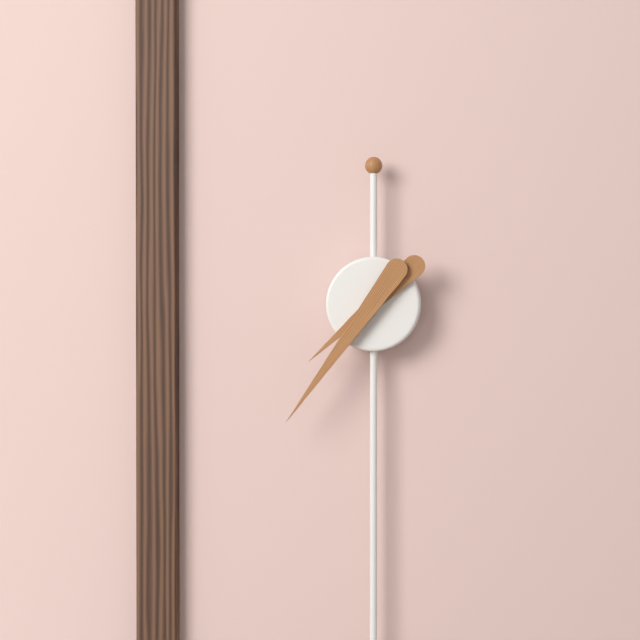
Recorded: {"hour": 7, "minute": 36}
